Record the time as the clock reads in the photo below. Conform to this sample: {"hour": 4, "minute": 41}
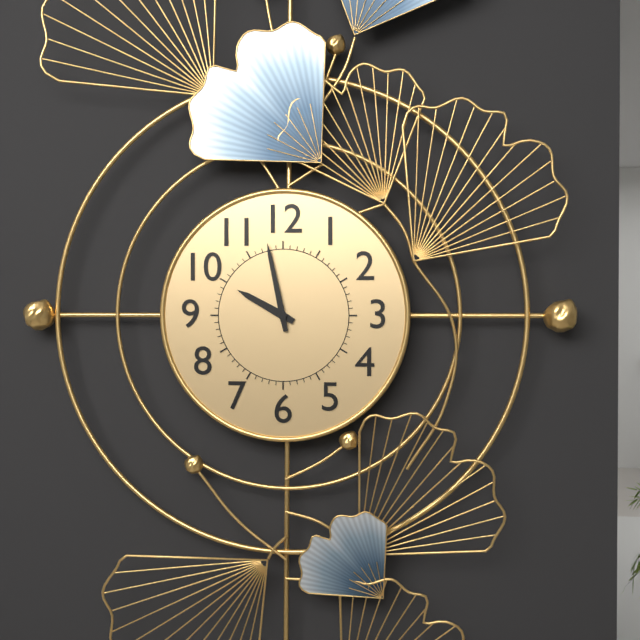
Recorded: {"hour": 9, "minute": 58}
